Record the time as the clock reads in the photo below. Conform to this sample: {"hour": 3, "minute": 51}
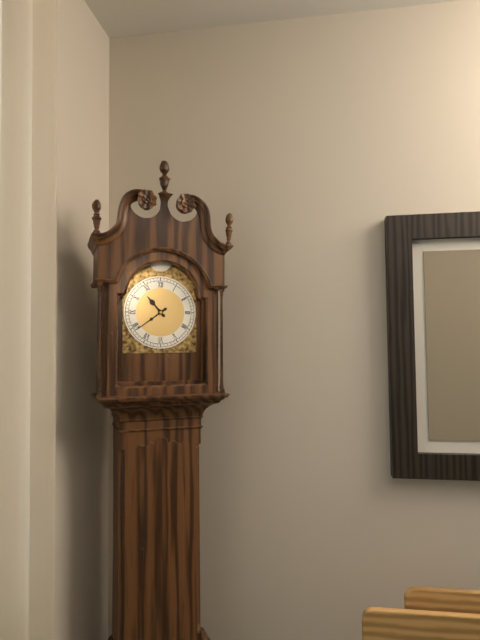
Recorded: {"hour": 10, "minute": 39}
